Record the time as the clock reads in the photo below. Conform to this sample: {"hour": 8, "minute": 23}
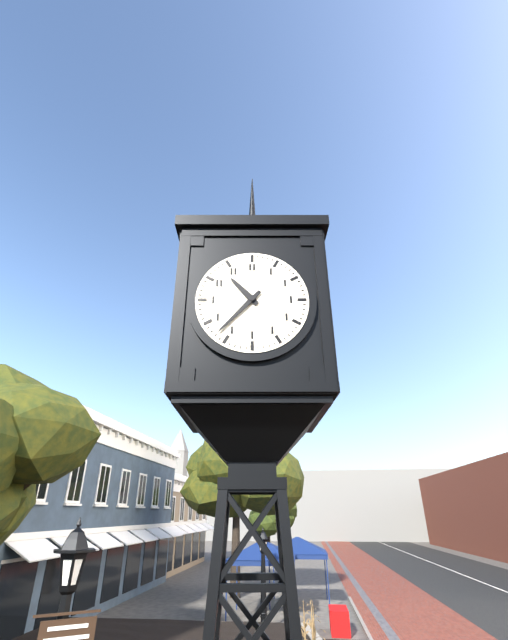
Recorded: {"hour": 10, "minute": 37}
